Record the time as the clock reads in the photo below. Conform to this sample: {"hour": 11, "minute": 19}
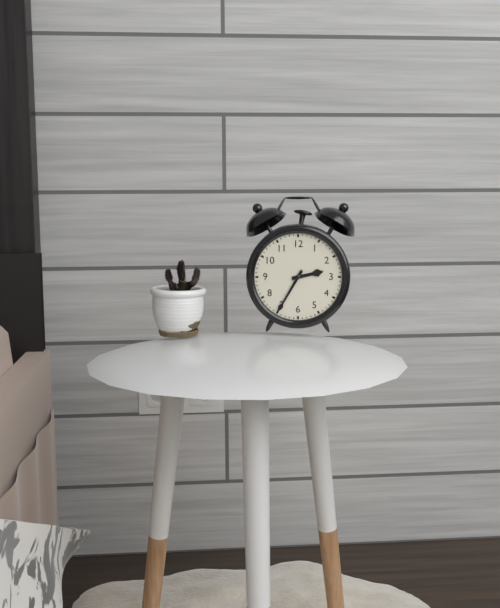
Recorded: {"hour": 2, "minute": 35}
